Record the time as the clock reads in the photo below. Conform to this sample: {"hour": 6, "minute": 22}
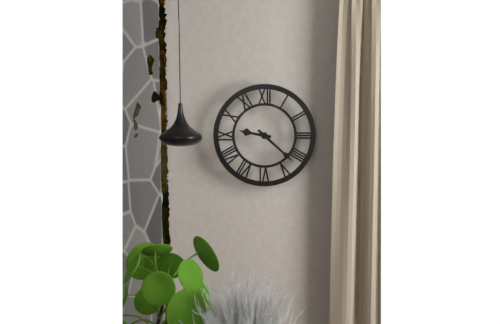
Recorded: {"hour": 9, "minute": 22}
